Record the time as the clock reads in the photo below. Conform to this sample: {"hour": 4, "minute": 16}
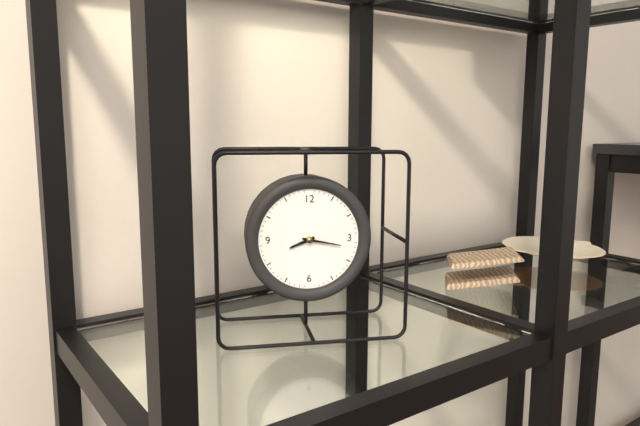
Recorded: {"hour": 8, "minute": 17}
